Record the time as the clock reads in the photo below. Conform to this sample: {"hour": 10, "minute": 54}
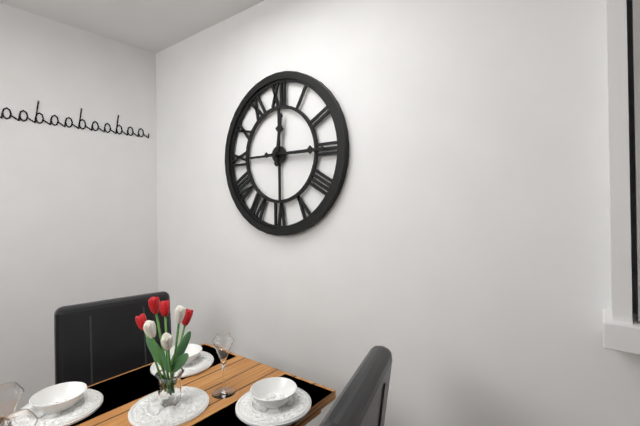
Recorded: {"hour": 12, "minute": 15}
